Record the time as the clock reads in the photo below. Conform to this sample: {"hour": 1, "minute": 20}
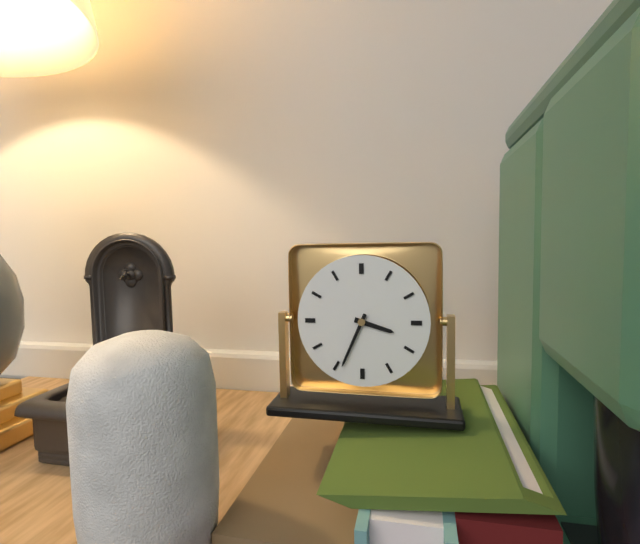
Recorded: {"hour": 3, "minute": 34}
